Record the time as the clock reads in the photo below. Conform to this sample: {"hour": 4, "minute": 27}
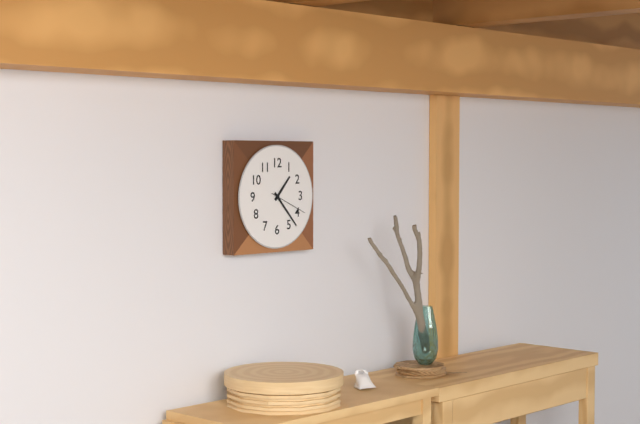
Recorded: {"hour": 1, "minute": 23}
